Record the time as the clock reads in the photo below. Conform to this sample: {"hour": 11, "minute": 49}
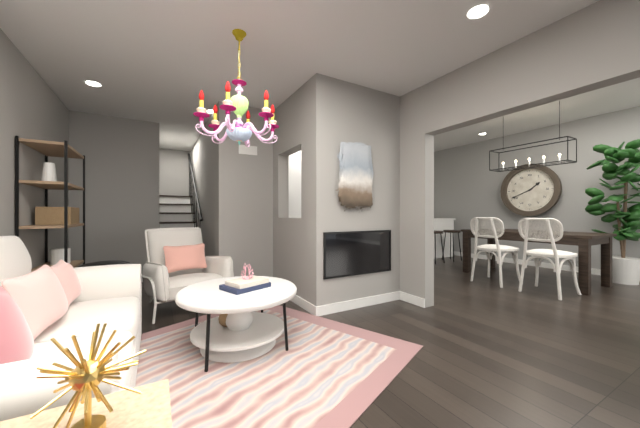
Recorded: {"hour": 1, "minute": 41}
